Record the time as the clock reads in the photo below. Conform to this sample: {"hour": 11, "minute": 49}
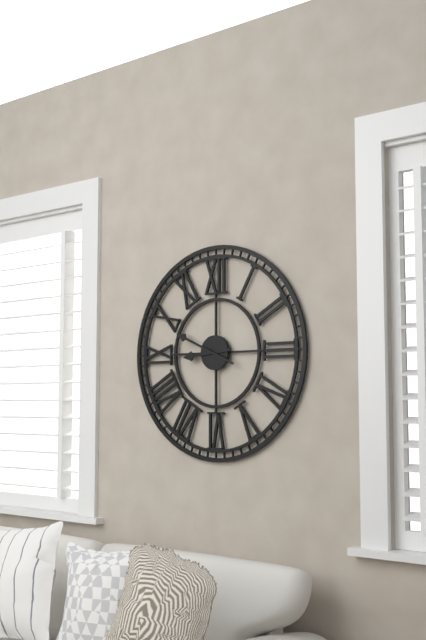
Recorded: {"hour": 8, "minute": 49}
